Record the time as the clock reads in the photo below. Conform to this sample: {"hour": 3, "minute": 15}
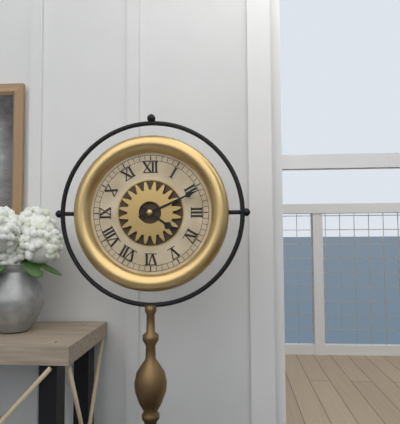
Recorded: {"hour": 4, "minute": 11}
